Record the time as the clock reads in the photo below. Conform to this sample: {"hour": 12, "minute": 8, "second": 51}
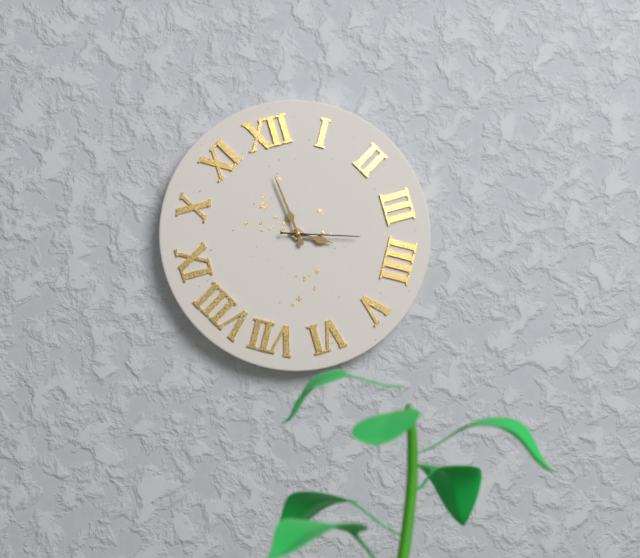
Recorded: {"hour": 3, "minute": 59, "second": 18}
